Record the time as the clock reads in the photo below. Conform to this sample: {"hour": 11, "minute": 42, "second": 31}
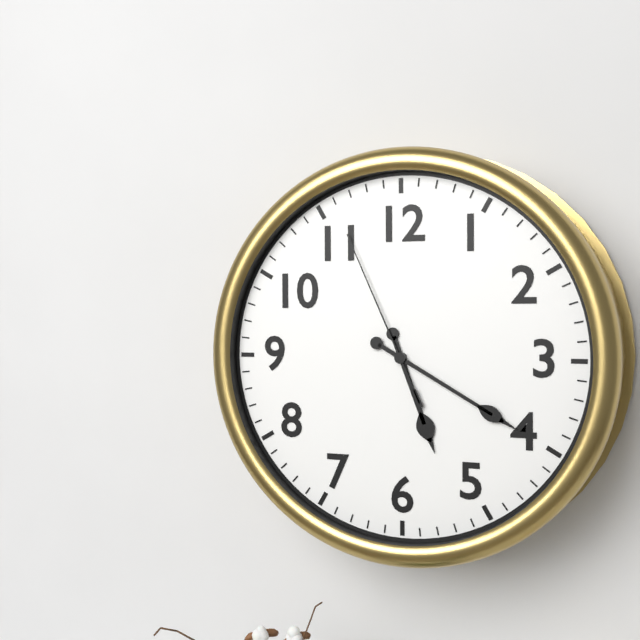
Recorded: {"hour": 5, "minute": 20, "second": 56}
